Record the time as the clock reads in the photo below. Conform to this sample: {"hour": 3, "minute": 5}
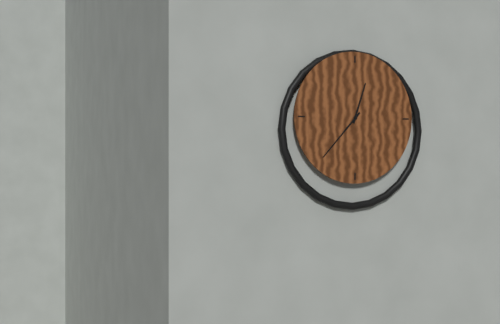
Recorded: {"hour": 12, "minute": 37}
